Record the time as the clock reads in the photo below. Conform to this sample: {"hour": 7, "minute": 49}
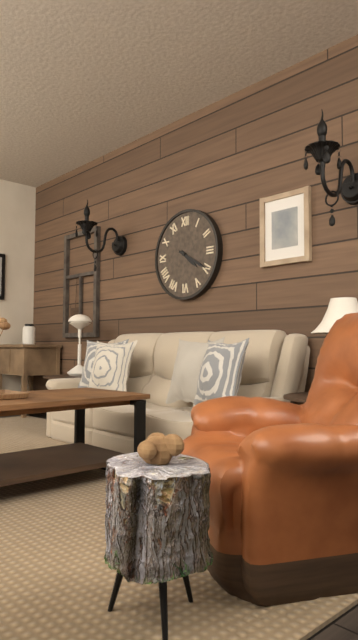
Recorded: {"hour": 4, "minute": 20}
